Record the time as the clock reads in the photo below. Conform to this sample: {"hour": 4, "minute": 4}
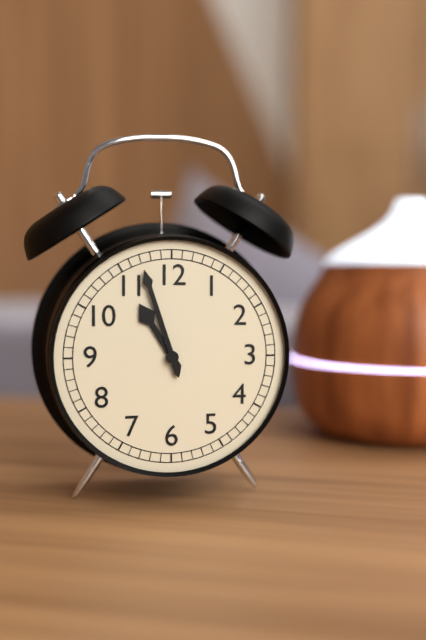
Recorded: {"hour": 10, "minute": 57}
